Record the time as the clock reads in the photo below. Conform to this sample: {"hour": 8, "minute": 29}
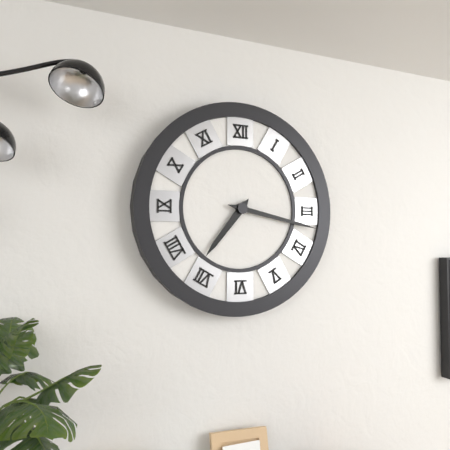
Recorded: {"hour": 7, "minute": 17}
